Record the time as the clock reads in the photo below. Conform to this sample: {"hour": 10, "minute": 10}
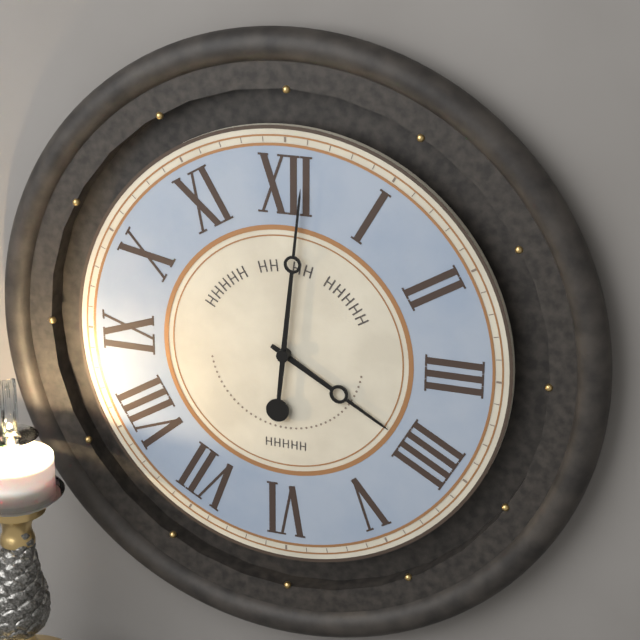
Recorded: {"hour": 4, "minute": 1}
